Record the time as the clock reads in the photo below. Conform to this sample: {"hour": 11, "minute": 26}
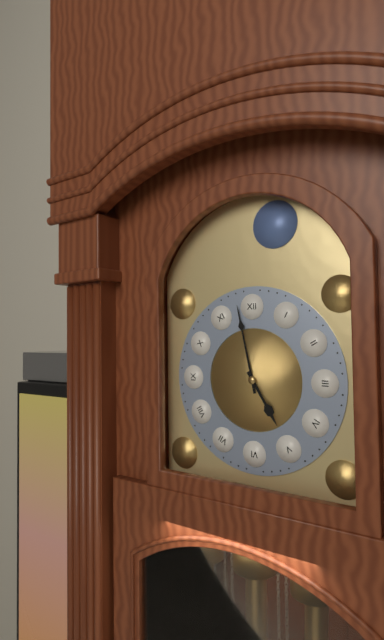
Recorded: {"hour": 4, "minute": 58}
